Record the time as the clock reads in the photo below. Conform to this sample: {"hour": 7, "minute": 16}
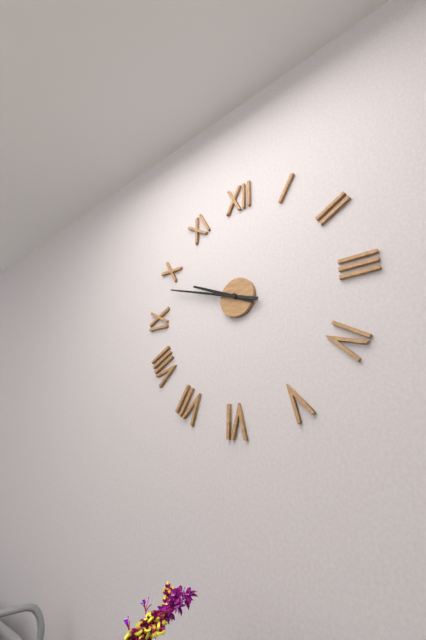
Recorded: {"hour": 9, "minute": 48}
